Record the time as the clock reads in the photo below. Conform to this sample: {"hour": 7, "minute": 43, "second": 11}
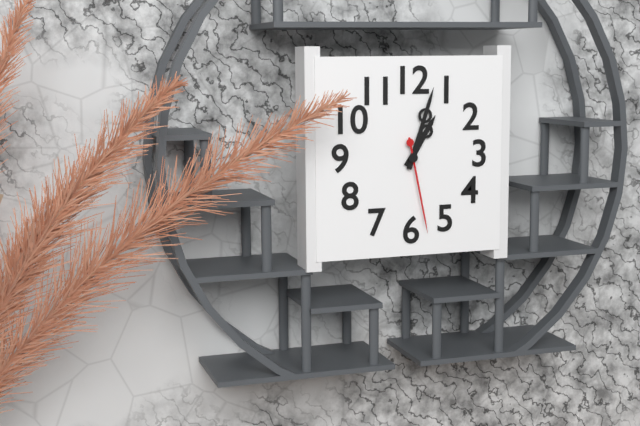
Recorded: {"hour": 1, "minute": 3, "second": 28}
